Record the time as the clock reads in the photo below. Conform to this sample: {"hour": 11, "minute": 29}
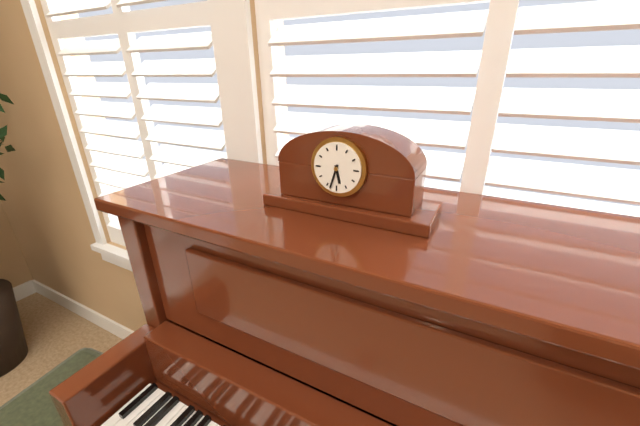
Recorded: {"hour": 5, "minute": 33}
